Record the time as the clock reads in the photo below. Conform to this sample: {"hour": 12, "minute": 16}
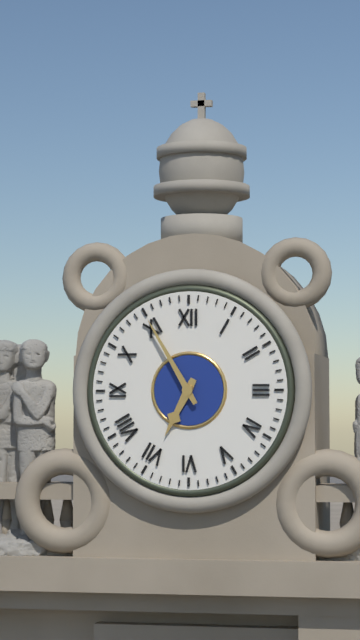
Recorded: {"hour": 6, "minute": 55}
